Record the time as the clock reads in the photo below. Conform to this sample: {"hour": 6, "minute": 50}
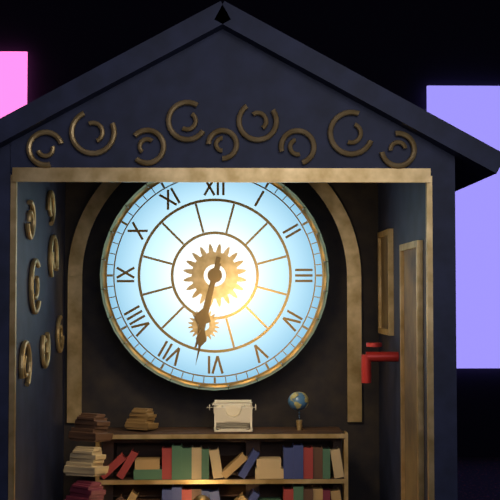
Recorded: {"hour": 6, "minute": 32}
